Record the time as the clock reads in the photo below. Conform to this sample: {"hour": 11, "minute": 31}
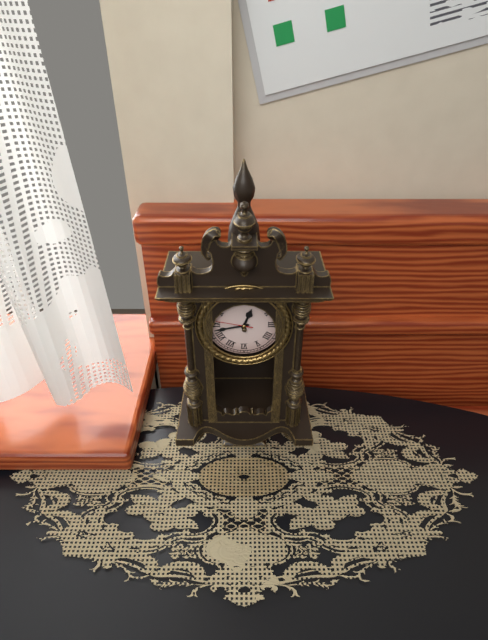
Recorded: {"hour": 12, "minute": 43}
